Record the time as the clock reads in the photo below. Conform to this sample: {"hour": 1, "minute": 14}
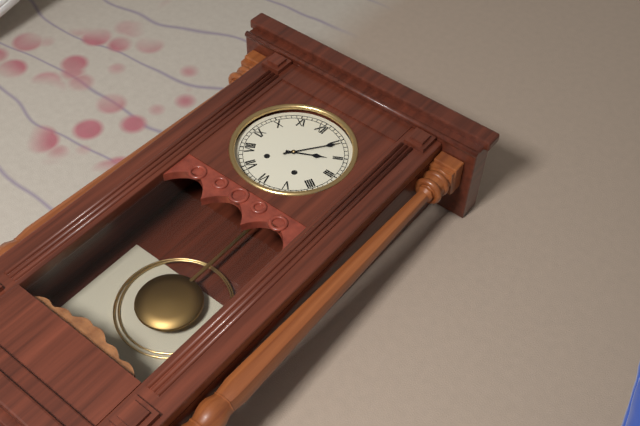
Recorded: {"hour": 2, "minute": 6}
